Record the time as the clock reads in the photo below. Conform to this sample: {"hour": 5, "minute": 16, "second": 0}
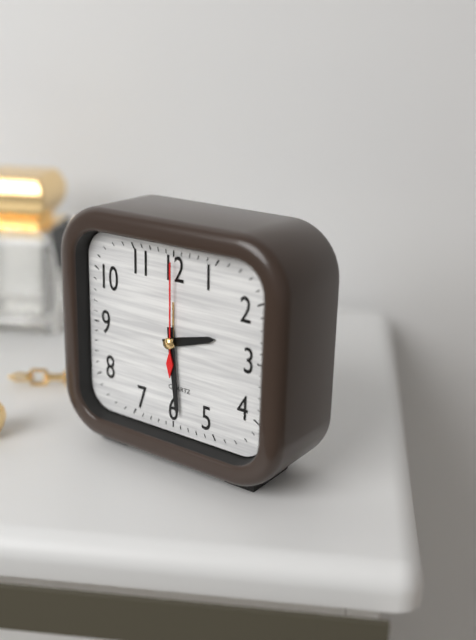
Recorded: {"hour": 2, "minute": 29, "second": 0}
